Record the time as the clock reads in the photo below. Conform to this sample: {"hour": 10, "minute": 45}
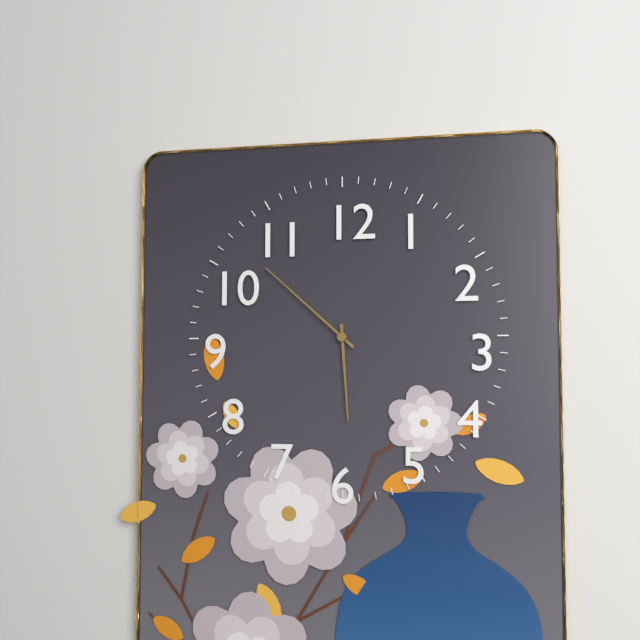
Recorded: {"hour": 5, "minute": 52}
